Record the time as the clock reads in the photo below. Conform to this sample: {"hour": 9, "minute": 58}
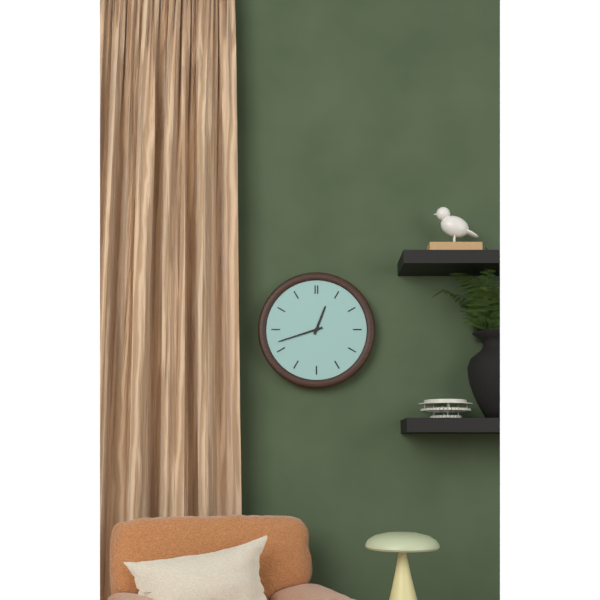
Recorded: {"hour": 12, "minute": 42}
